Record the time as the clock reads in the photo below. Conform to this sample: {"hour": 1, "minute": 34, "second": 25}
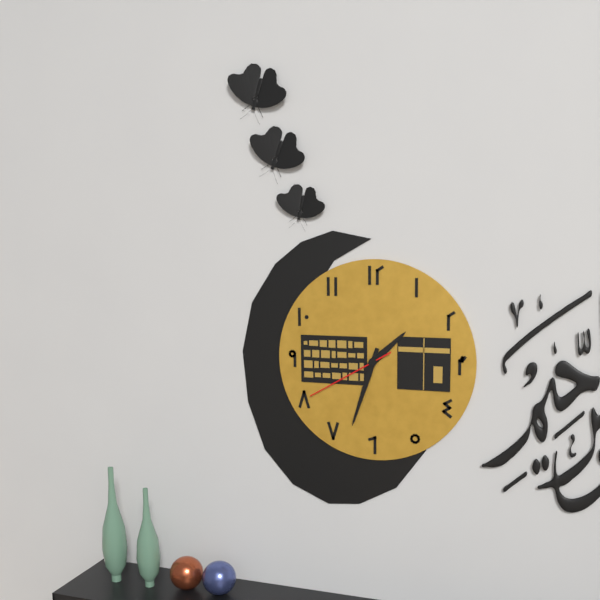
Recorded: {"hour": 1, "minute": 33, "second": 40}
